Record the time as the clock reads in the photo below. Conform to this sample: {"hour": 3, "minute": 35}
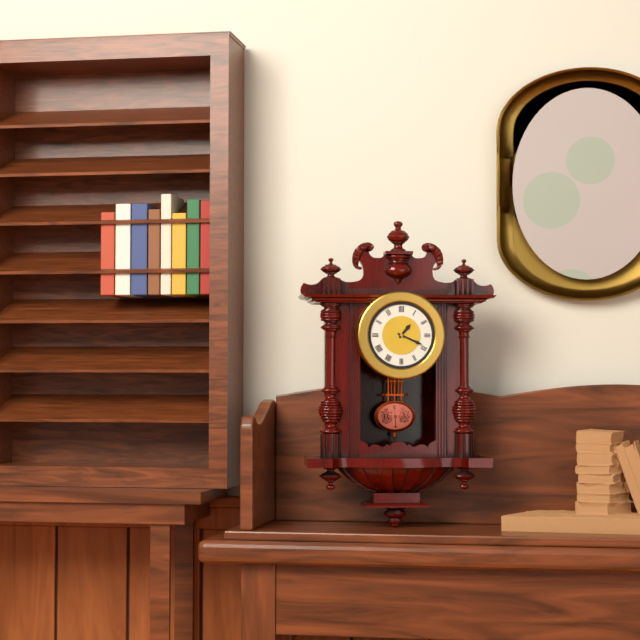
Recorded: {"hour": 1, "minute": 19}
